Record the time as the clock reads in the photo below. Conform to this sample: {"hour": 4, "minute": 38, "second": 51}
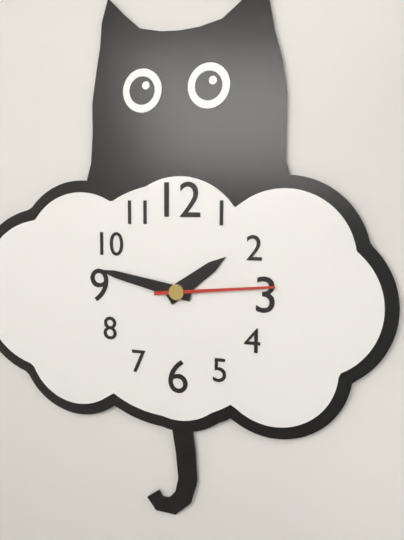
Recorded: {"hour": 1, "minute": 47, "second": 14}
